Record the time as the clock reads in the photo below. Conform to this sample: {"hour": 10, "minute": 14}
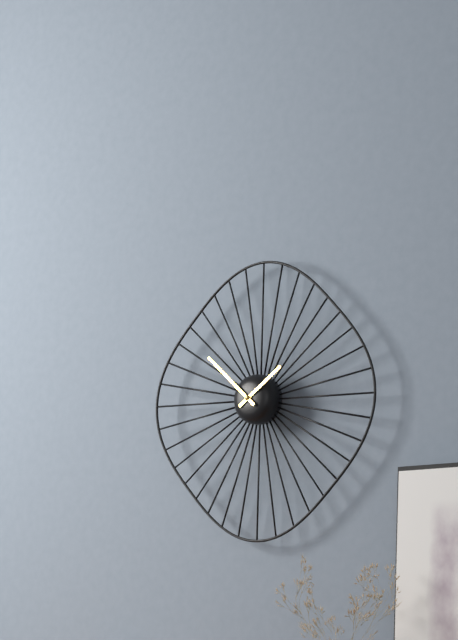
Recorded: {"hour": 1, "minute": 52}
